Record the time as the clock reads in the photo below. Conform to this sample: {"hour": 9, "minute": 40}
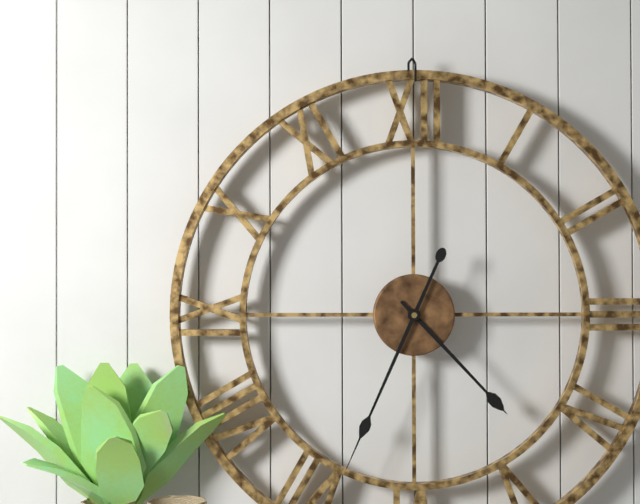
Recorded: {"hour": 4, "minute": 34}
